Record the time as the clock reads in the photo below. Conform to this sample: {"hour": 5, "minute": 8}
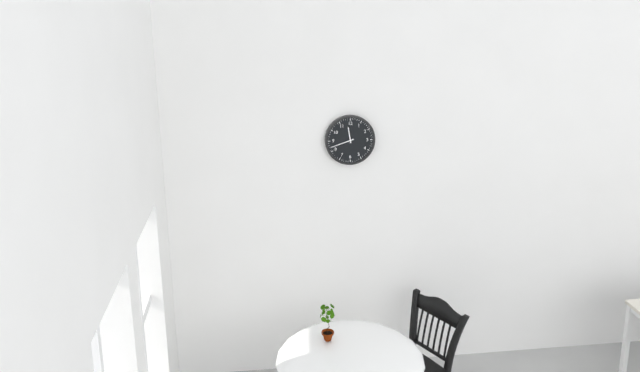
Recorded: {"hour": 11, "minute": 42}
